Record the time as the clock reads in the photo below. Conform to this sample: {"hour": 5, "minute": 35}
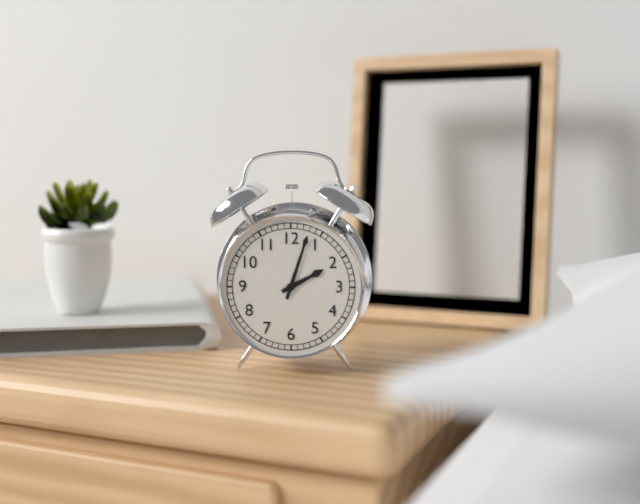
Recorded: {"hour": 2, "minute": 3}
